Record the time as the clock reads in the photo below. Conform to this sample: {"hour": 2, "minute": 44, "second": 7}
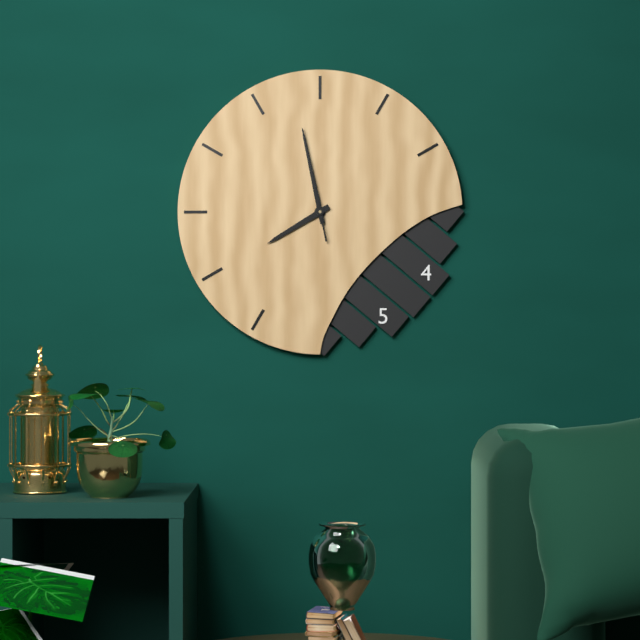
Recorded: {"hour": 7, "minute": 58, "second": 58}
